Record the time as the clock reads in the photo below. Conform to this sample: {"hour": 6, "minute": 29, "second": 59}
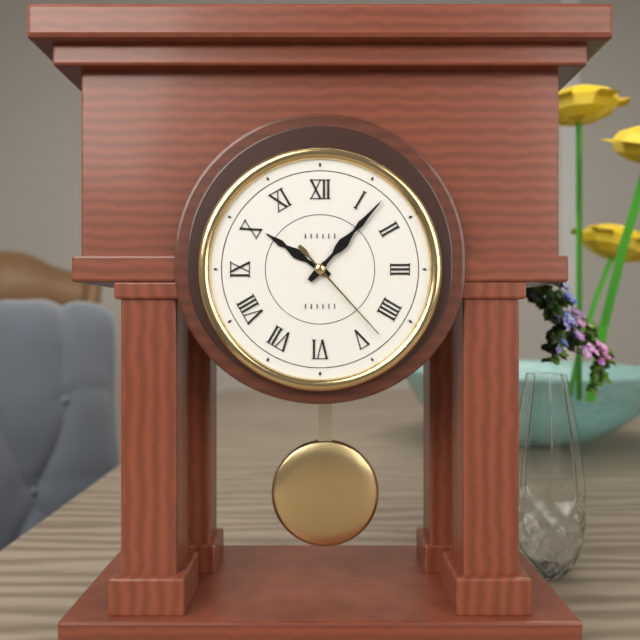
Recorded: {"hour": 10, "minute": 7, "second": 23}
